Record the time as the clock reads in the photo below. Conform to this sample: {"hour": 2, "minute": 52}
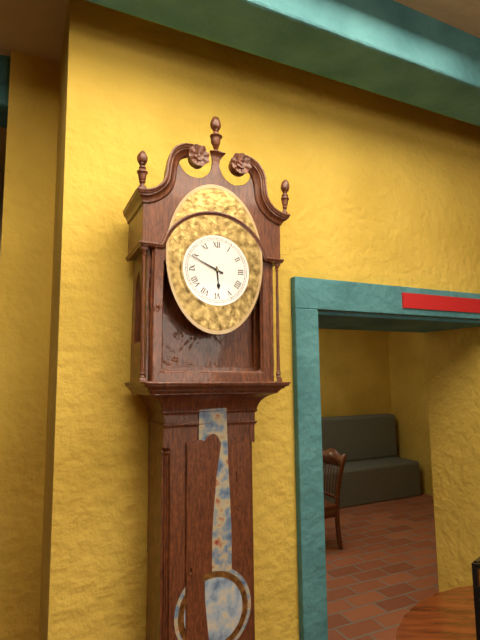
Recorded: {"hour": 5, "minute": 49}
